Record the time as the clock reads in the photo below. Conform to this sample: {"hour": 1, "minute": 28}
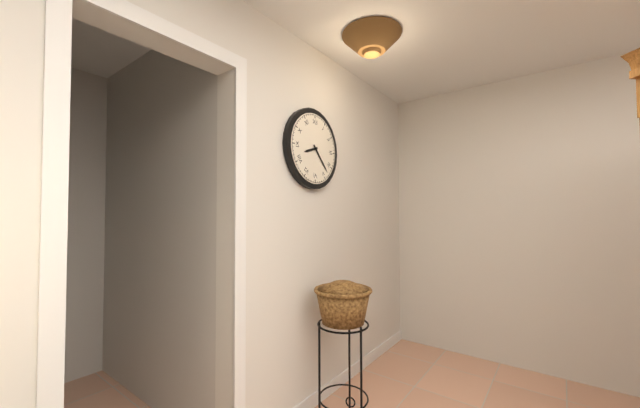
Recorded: {"hour": 8, "minute": 23}
